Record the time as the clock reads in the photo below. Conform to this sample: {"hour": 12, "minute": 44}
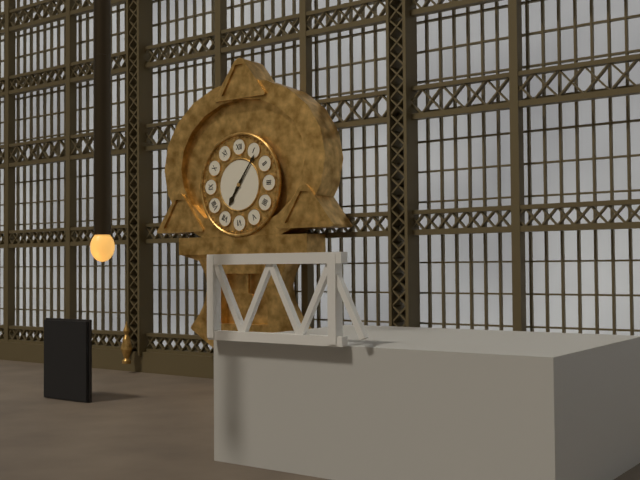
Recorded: {"hour": 7, "minute": 6}
